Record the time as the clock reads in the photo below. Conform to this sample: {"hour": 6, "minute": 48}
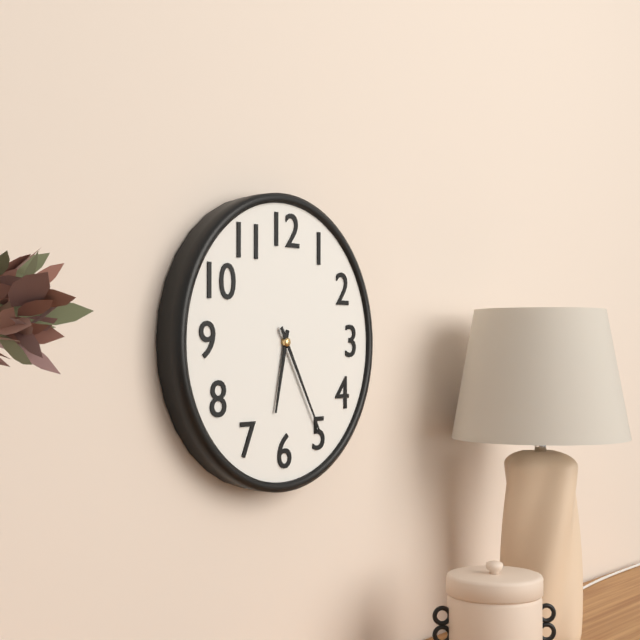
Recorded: {"hour": 6, "minute": 25}
